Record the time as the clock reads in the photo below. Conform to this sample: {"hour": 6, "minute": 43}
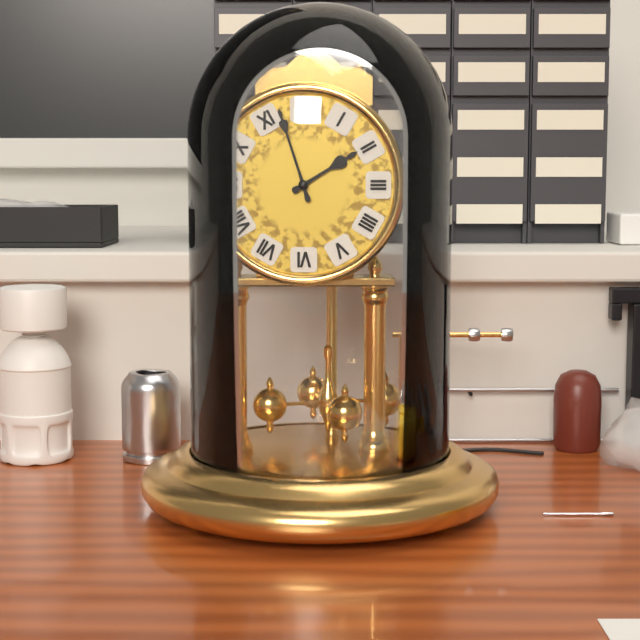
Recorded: {"hour": 1, "minute": 57}
